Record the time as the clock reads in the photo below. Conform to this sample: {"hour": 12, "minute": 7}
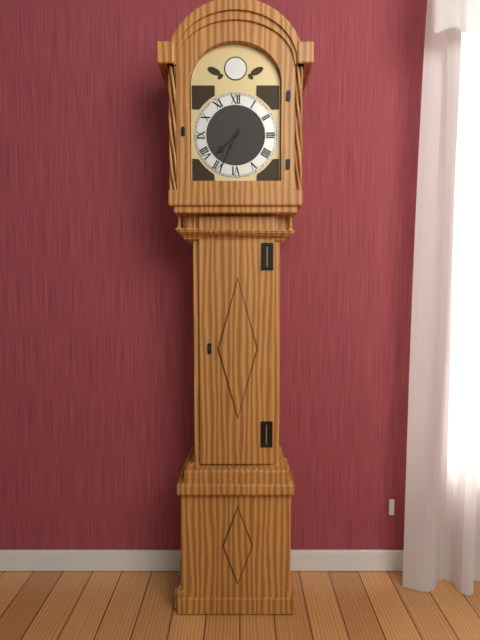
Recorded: {"hour": 7, "minute": 34}
